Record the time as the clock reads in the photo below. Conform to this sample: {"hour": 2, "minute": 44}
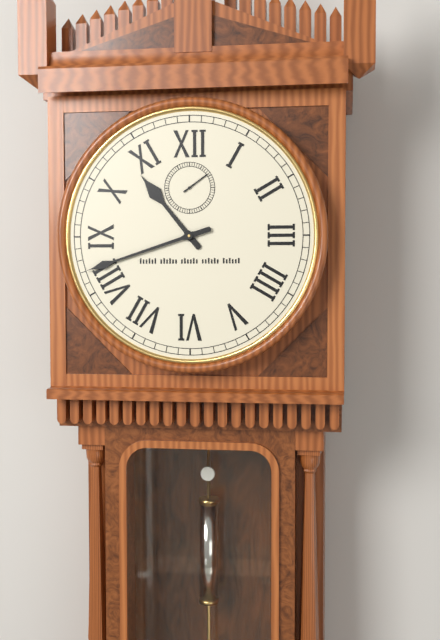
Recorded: {"hour": 10, "minute": 42}
